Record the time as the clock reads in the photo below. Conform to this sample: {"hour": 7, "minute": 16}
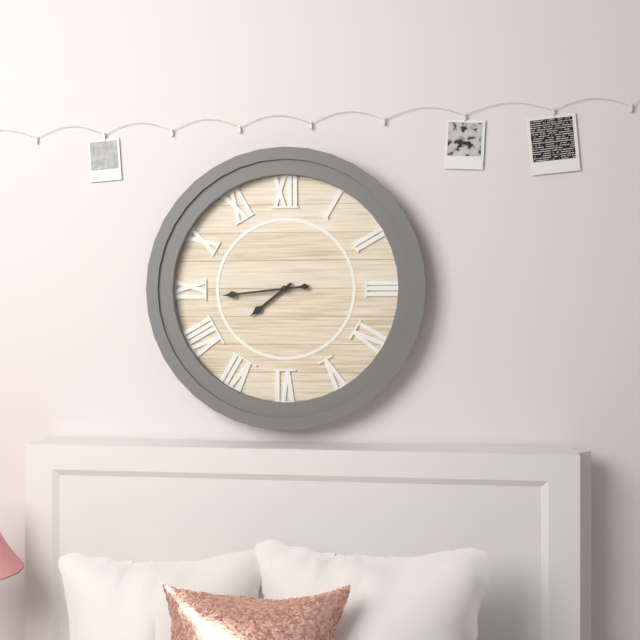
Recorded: {"hour": 7, "minute": 44}
